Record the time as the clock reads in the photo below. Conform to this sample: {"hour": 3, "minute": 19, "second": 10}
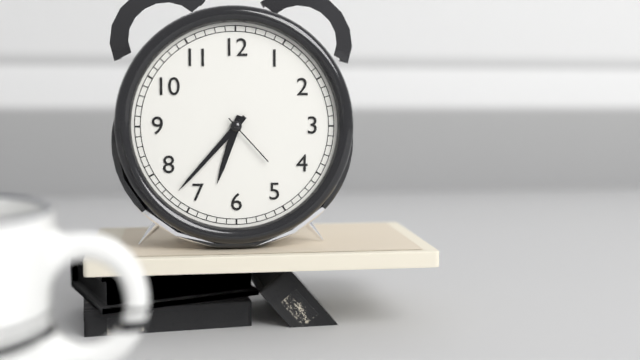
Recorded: {"hour": 6, "minute": 37, "second": 23}
